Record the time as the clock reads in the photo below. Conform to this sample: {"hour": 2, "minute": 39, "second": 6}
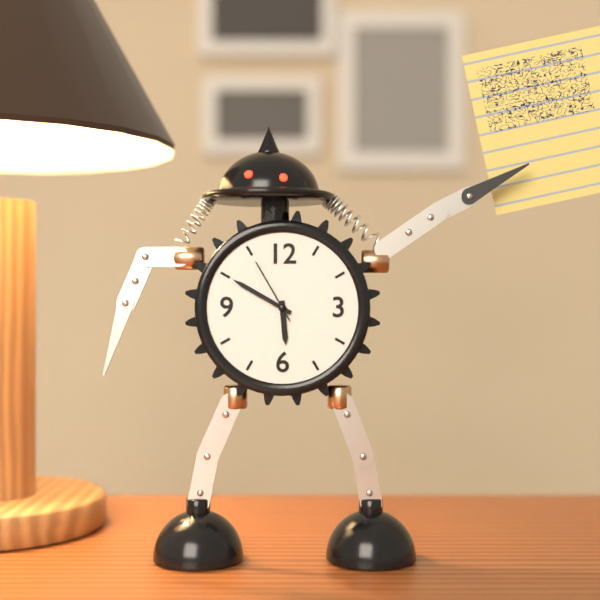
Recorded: {"hour": 5, "minute": 50, "second": 55}
